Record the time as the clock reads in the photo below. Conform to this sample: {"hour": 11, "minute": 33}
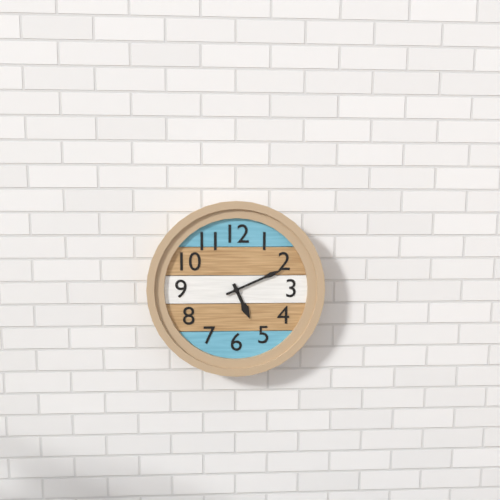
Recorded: {"hour": 5, "minute": 11}
